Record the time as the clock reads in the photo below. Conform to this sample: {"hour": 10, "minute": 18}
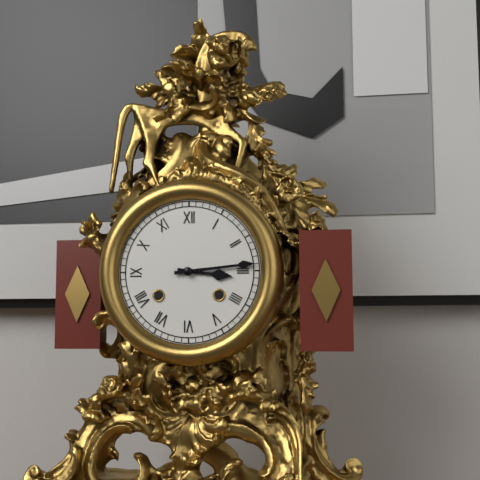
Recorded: {"hour": 3, "minute": 14}
